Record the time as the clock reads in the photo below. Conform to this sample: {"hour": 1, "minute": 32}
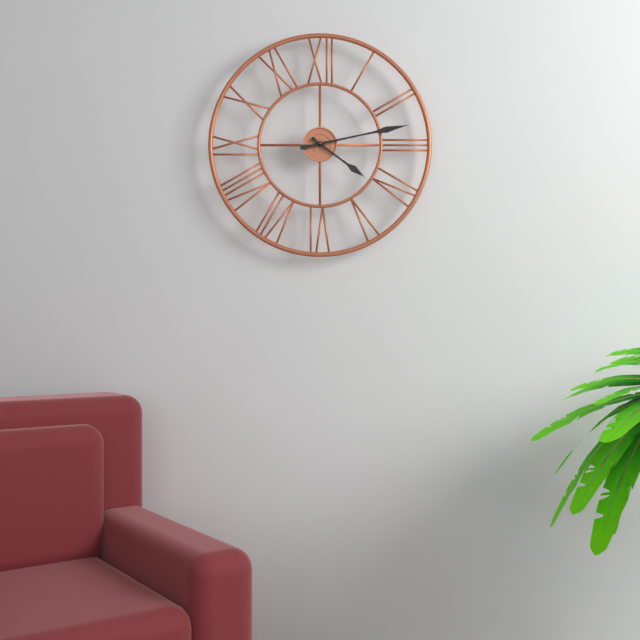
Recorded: {"hour": 4, "minute": 13}
